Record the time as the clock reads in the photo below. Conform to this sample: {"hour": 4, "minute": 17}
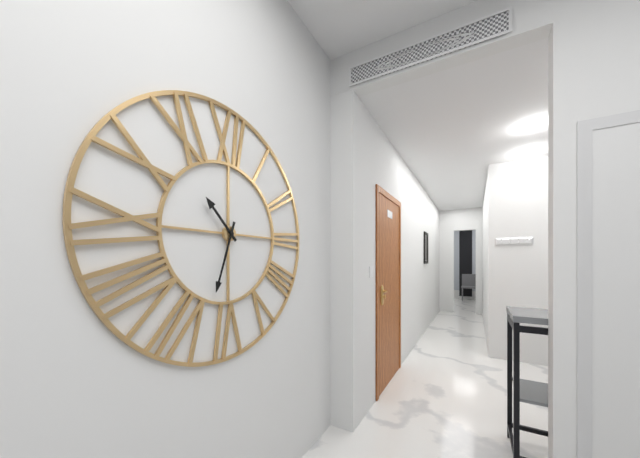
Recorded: {"hour": 10, "minute": 33}
